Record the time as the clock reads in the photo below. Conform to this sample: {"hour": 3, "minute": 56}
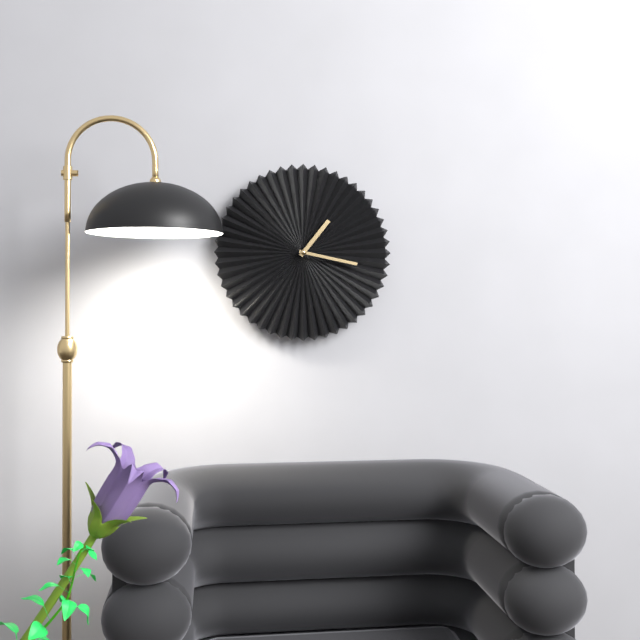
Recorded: {"hour": 1, "minute": 17}
